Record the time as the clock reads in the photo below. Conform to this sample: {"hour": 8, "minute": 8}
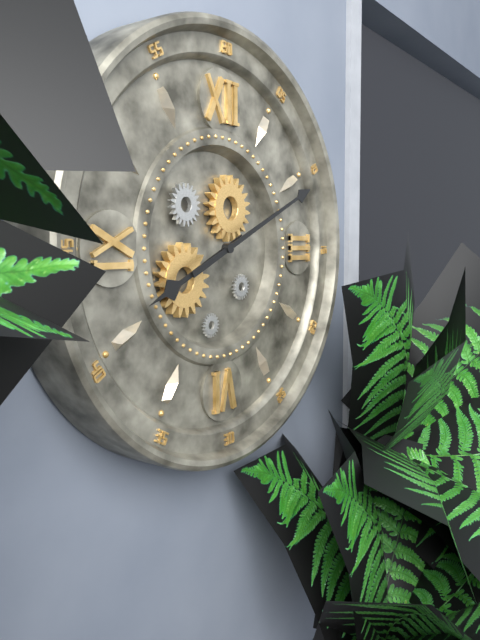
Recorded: {"hour": 8, "minute": 11}
